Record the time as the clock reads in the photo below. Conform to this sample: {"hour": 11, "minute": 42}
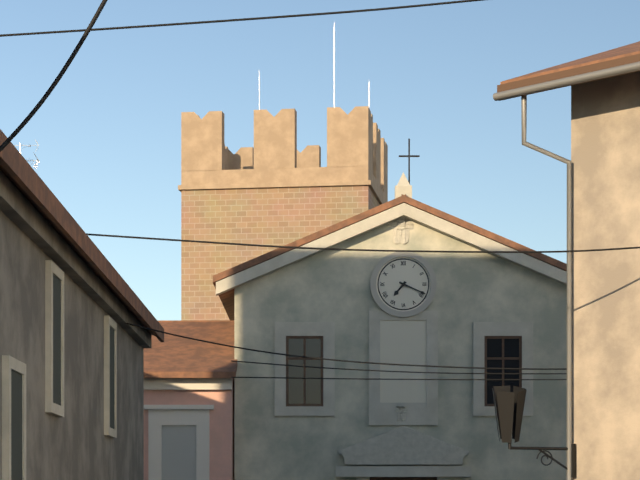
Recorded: {"hour": 7, "minute": 19}
